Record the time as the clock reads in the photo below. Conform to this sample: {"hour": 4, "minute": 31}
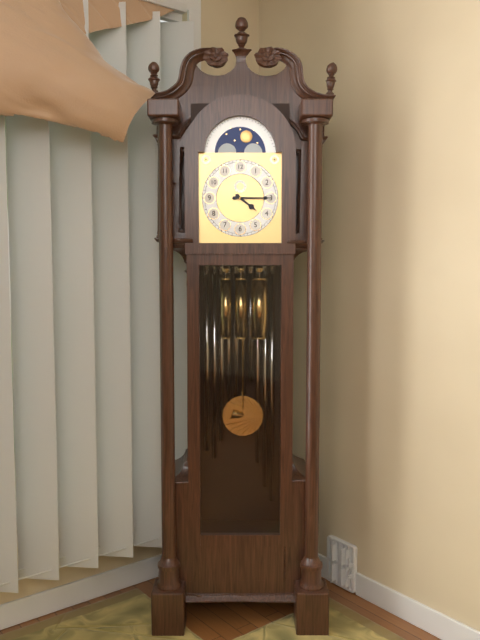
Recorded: {"hour": 4, "minute": 15}
